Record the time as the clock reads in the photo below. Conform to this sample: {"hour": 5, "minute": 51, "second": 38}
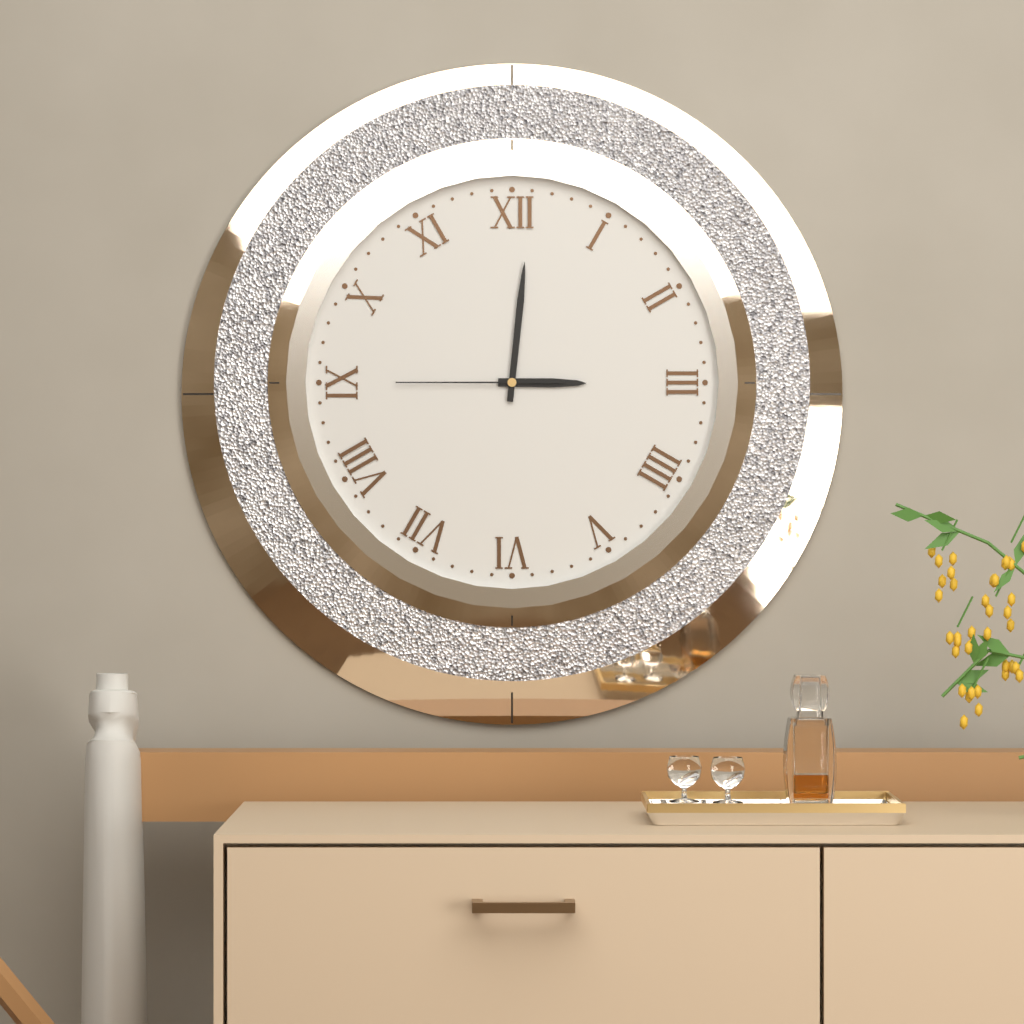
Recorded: {"hour": 3, "minute": 1, "second": 45}
